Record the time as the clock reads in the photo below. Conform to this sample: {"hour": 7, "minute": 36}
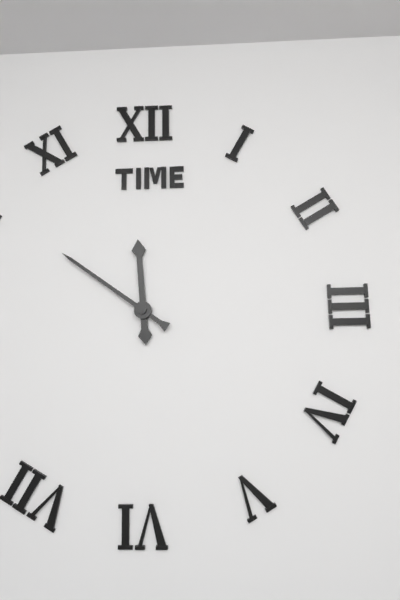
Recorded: {"hour": 11, "minute": 51}
